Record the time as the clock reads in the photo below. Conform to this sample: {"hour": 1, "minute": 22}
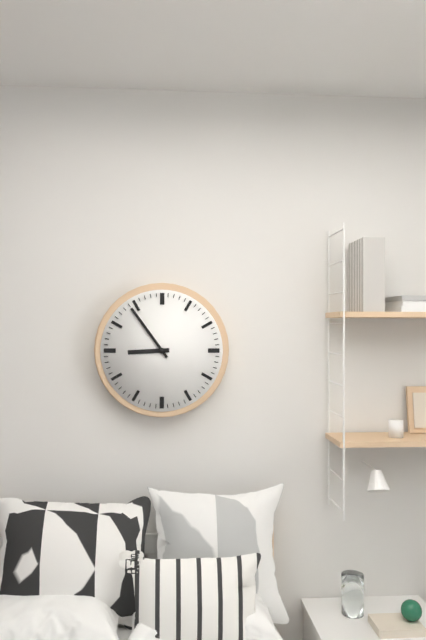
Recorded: {"hour": 8, "minute": 54}
